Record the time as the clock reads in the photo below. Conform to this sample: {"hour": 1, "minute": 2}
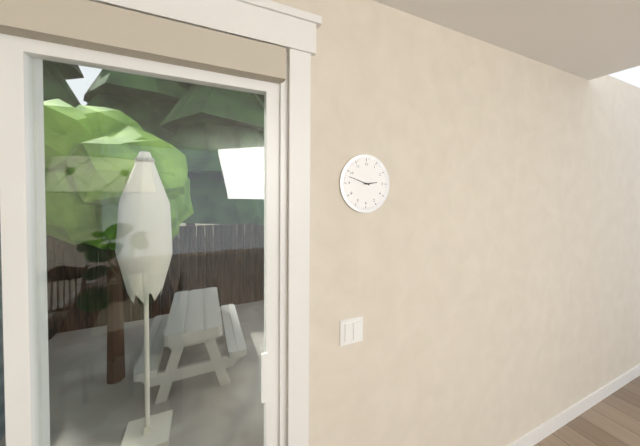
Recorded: {"hour": 2, "minute": 48}
